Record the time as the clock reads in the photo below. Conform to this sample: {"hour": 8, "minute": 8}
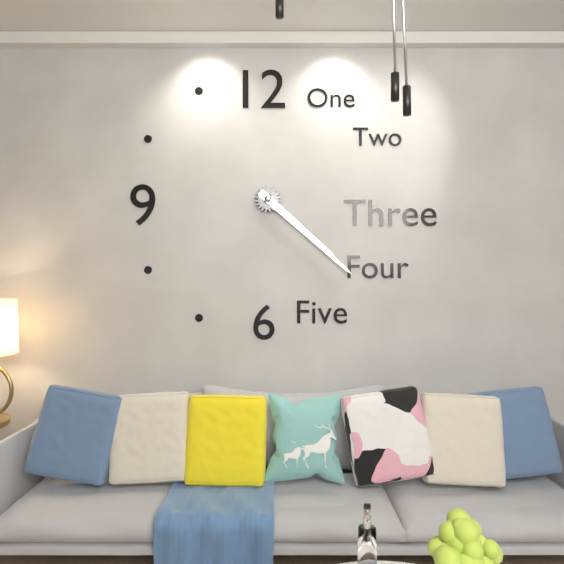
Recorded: {"hour": 4, "minute": 22}
